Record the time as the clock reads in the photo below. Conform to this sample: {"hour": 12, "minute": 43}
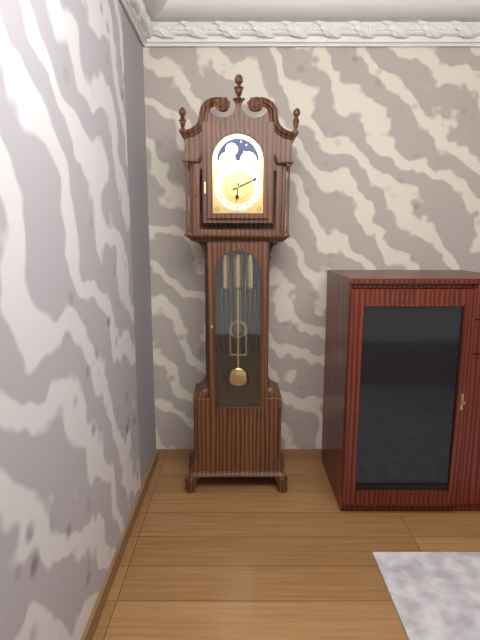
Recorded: {"hour": 6, "minute": 11}
